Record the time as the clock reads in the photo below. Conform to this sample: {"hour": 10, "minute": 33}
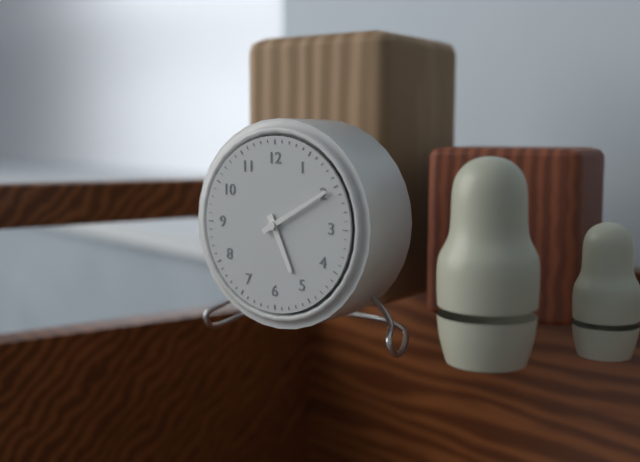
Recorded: {"hour": 5, "minute": 10}
